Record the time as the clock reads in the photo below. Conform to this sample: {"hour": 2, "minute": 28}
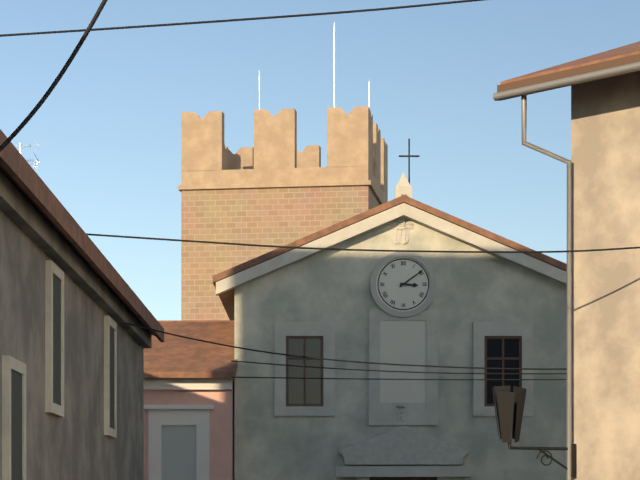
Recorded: {"hour": 3, "minute": 9}
